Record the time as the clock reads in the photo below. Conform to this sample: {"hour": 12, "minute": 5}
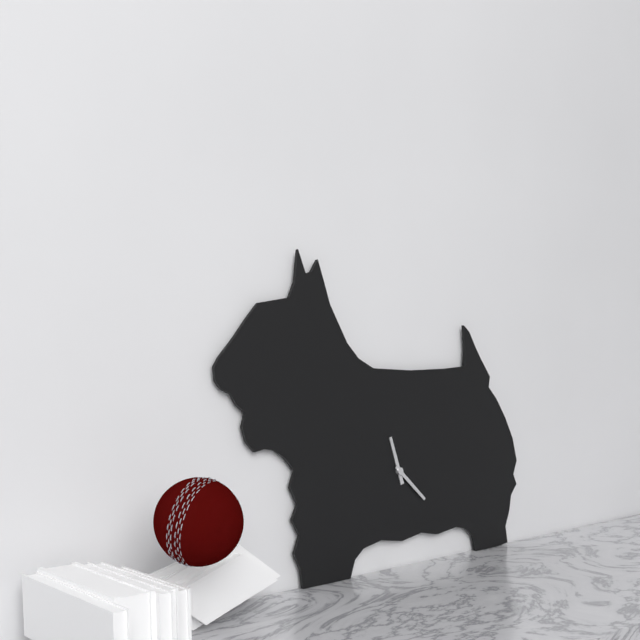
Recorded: {"hour": 11, "minute": 22}
